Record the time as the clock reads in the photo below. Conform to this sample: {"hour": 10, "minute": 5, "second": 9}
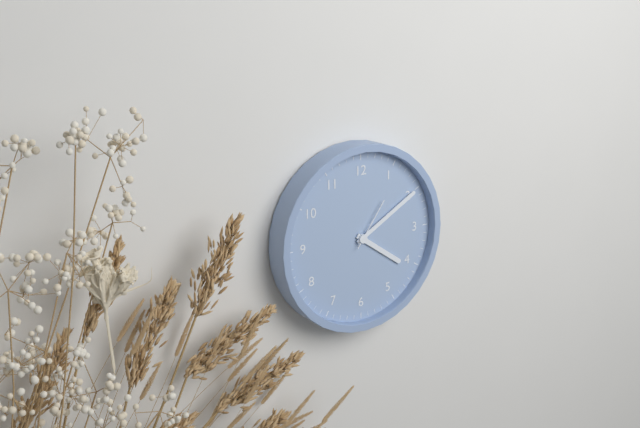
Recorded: {"hour": 4, "minute": 10, "second": 6}
